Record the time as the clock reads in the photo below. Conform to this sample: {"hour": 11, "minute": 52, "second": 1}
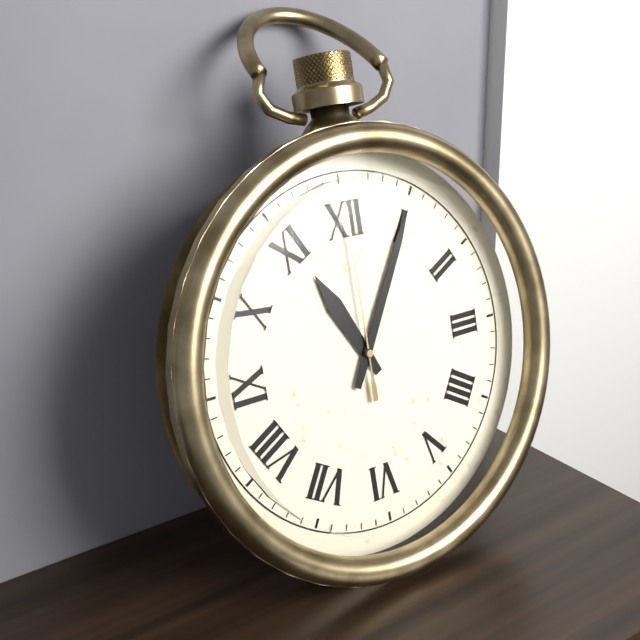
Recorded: {"hour": 11, "minute": 5, "second": 0}
